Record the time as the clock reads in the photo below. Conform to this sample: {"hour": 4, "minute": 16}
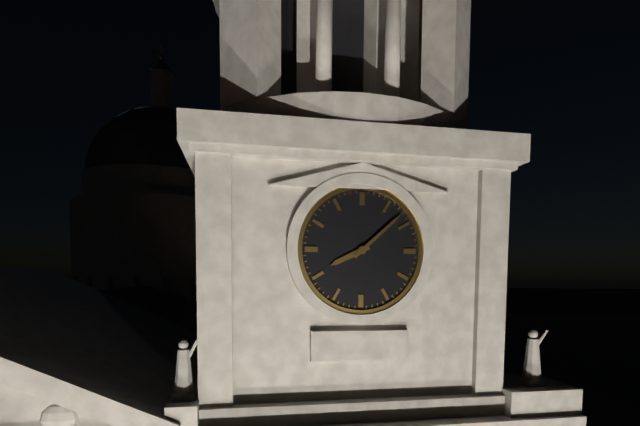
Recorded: {"hour": 8, "minute": 8}
